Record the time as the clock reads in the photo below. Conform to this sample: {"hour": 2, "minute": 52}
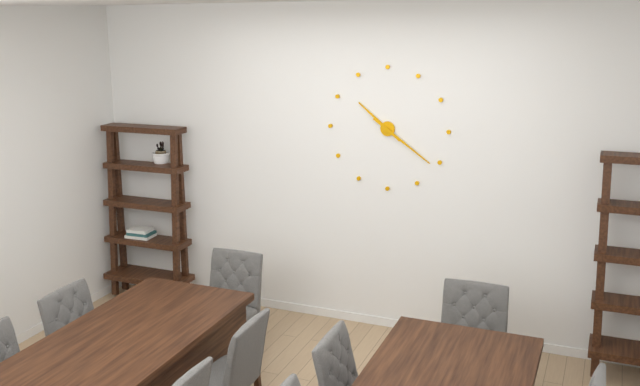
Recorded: {"hour": 10, "minute": 21}
